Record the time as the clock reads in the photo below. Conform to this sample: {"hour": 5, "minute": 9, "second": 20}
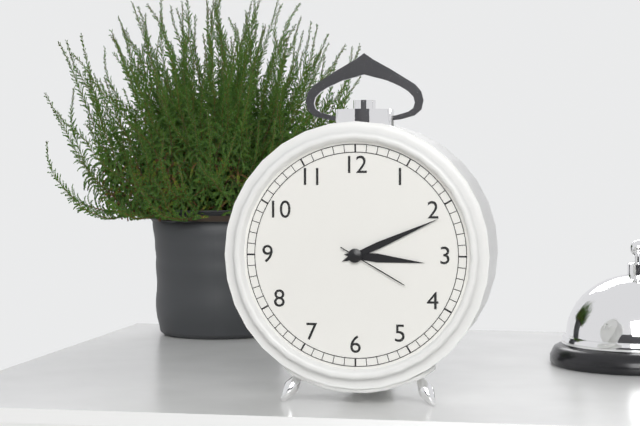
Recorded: {"hour": 3, "minute": 11, "second": 20}
